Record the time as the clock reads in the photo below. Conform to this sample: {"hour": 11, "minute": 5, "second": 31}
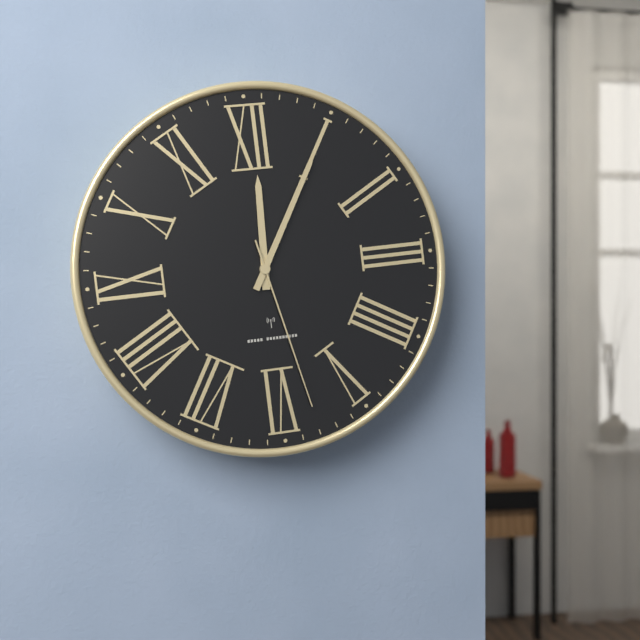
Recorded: {"hour": 12, "minute": 5, "second": 28}
